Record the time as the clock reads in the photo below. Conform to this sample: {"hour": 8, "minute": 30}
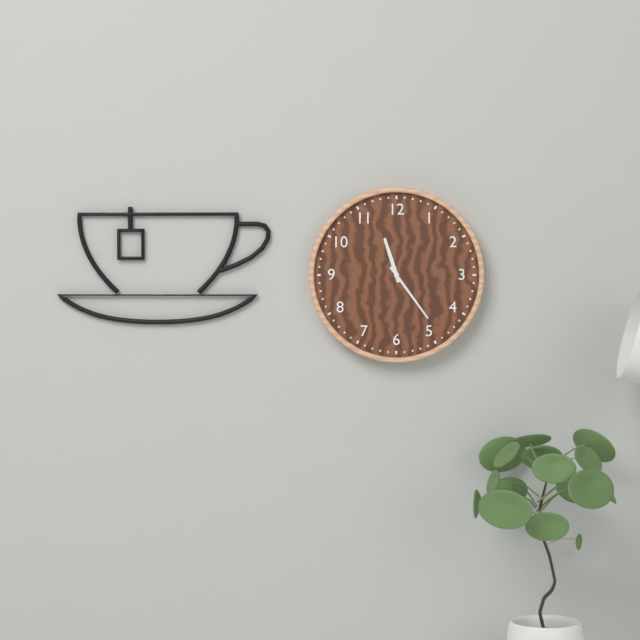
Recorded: {"hour": 11, "minute": 24}
